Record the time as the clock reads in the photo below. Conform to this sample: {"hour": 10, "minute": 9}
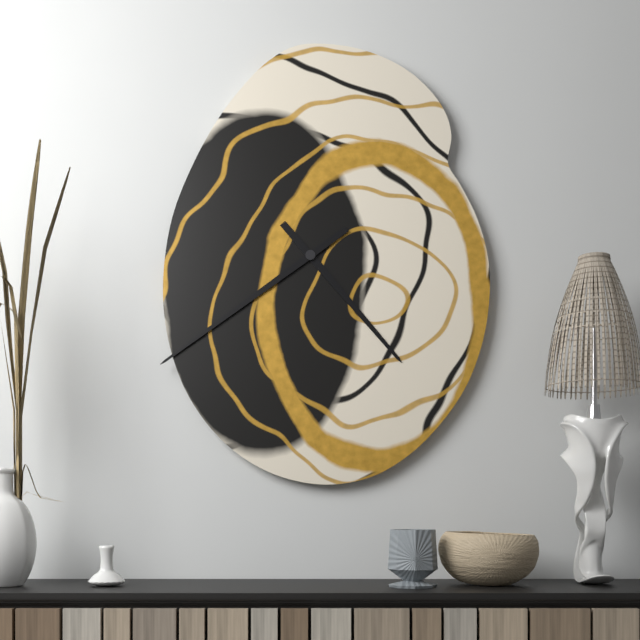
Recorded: {"hour": 4, "minute": 39}
